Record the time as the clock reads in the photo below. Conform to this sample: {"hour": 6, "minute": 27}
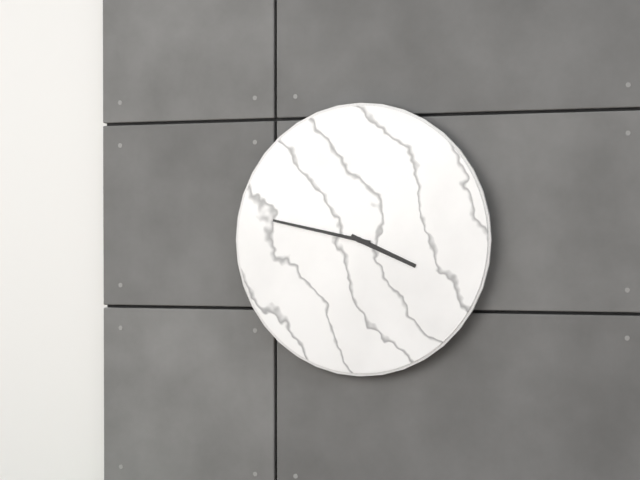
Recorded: {"hour": 3, "minute": 47}
